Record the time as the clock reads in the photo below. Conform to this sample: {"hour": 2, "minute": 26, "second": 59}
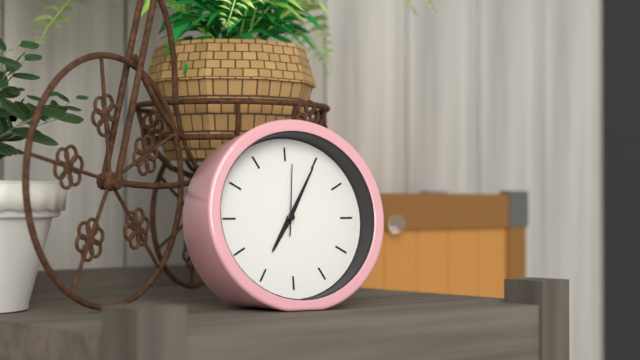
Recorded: {"hour": 7, "minute": 5, "second": 1}
